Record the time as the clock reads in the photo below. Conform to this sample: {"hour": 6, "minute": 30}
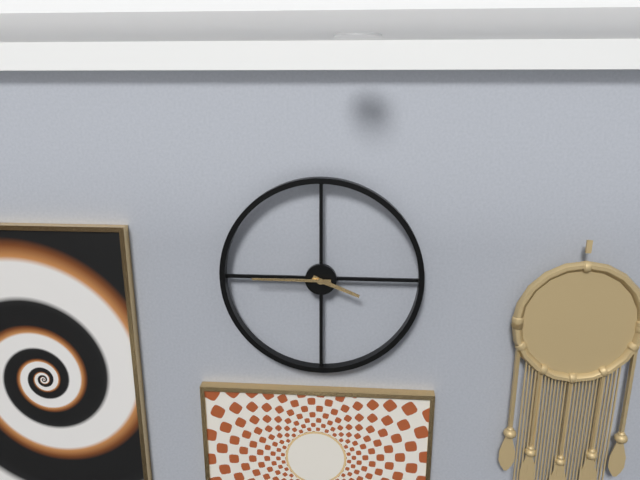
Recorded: {"hour": 3, "minute": 45}
